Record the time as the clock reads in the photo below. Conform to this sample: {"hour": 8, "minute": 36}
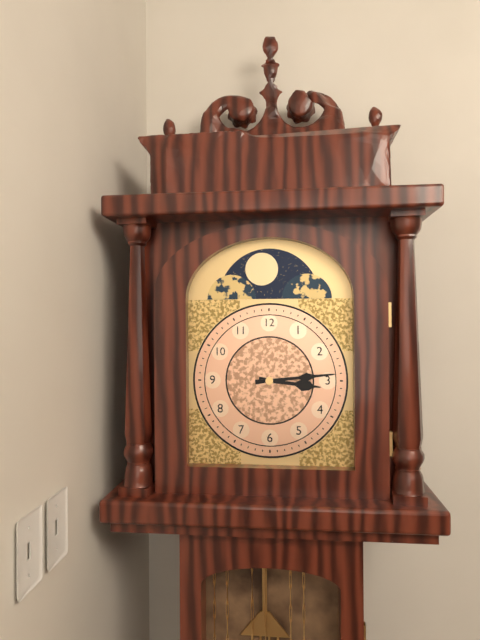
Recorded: {"hour": 3, "minute": 14}
